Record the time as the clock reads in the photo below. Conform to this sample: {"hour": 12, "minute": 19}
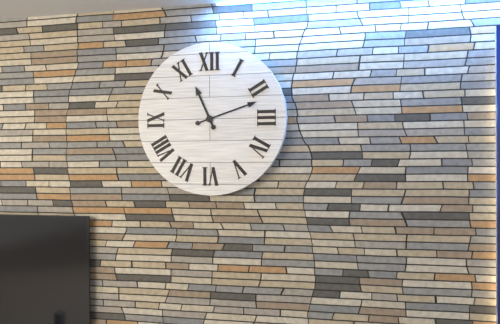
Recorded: {"hour": 11, "minute": 12}
